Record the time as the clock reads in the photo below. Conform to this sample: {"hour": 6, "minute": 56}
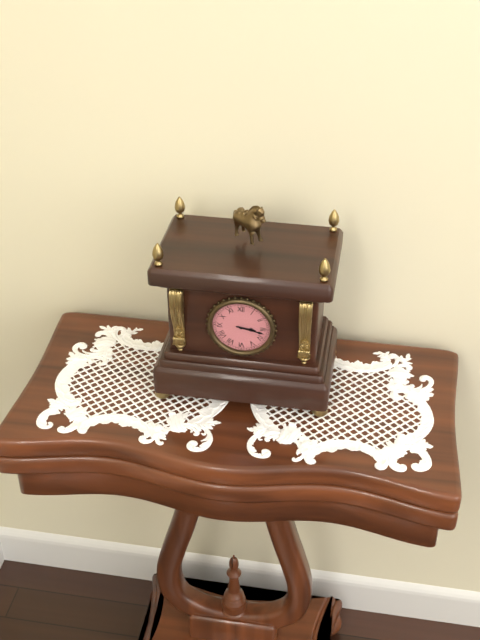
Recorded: {"hour": 3, "minute": 17}
